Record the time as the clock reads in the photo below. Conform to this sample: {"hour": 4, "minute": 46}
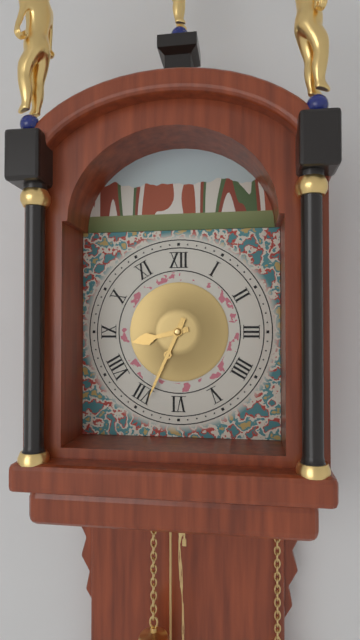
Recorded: {"hour": 8, "minute": 34}
